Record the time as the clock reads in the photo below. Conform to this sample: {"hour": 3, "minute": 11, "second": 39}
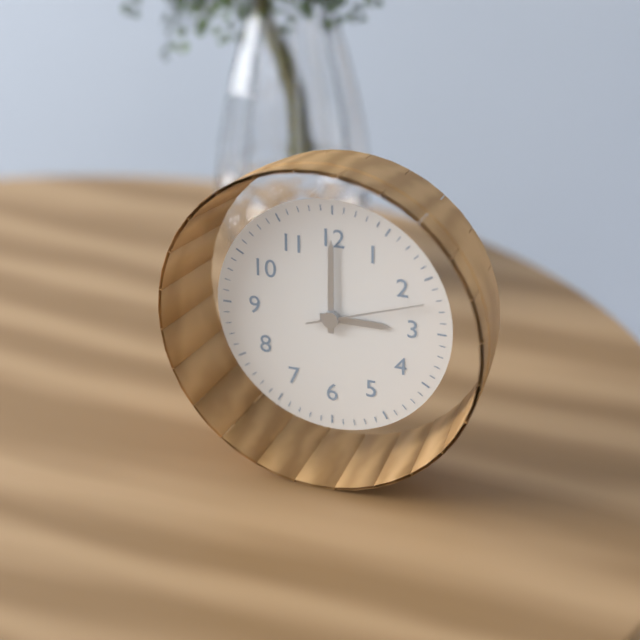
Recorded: {"hour": 3, "minute": 0, "second": 12}
